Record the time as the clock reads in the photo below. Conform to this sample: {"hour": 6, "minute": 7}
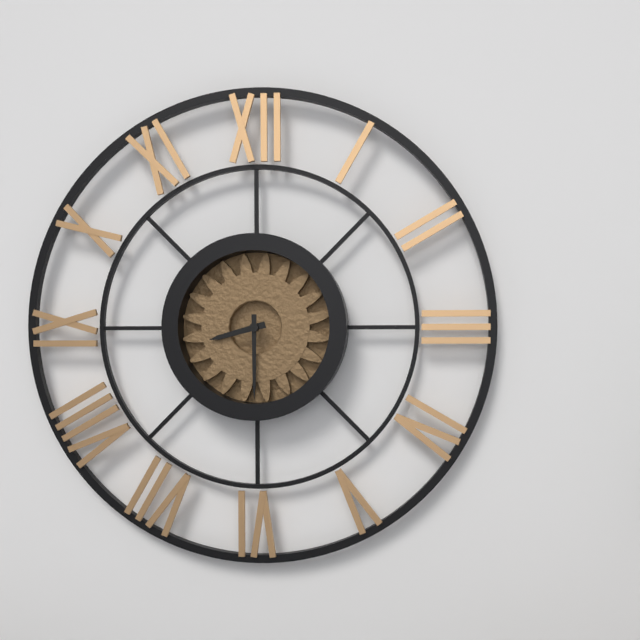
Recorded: {"hour": 8, "minute": 30}
